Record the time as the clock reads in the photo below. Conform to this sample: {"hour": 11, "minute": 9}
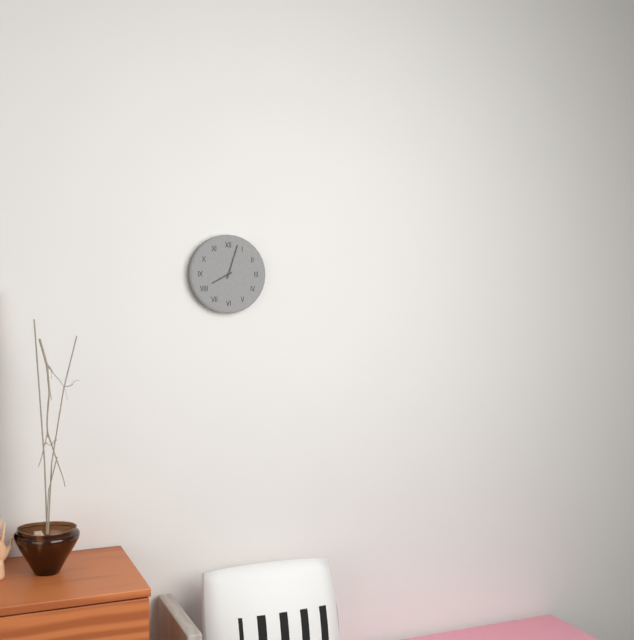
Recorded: {"hour": 8, "minute": 3}
